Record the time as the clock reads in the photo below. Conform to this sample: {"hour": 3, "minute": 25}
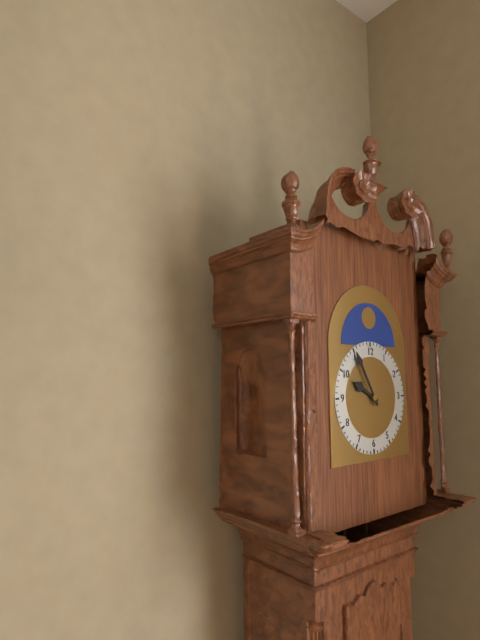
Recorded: {"hour": 9, "minute": 55}
